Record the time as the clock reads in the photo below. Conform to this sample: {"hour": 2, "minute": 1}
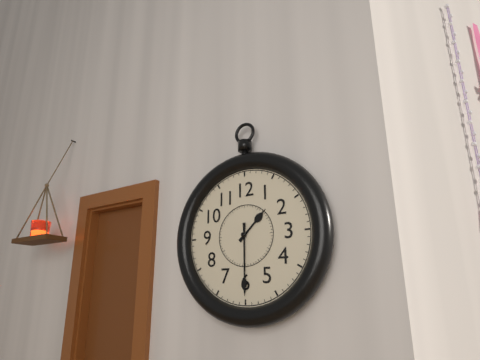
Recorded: {"hour": 1, "minute": 30}
